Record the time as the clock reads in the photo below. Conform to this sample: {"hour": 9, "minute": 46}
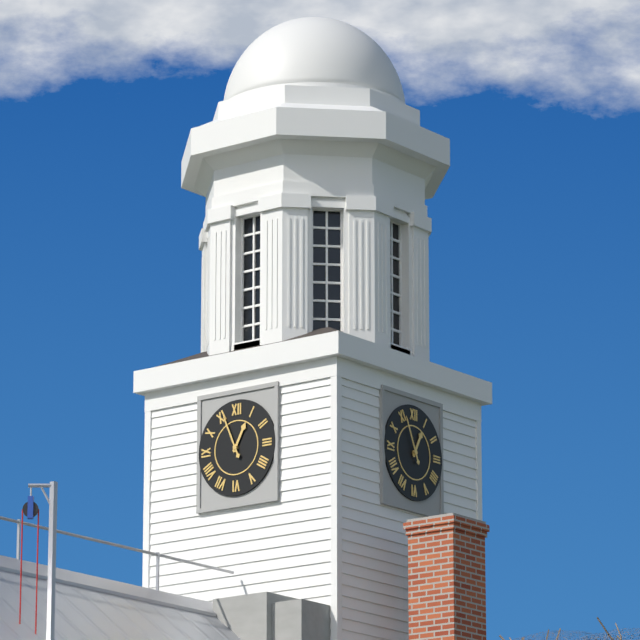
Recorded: {"hour": 12, "minute": 56}
